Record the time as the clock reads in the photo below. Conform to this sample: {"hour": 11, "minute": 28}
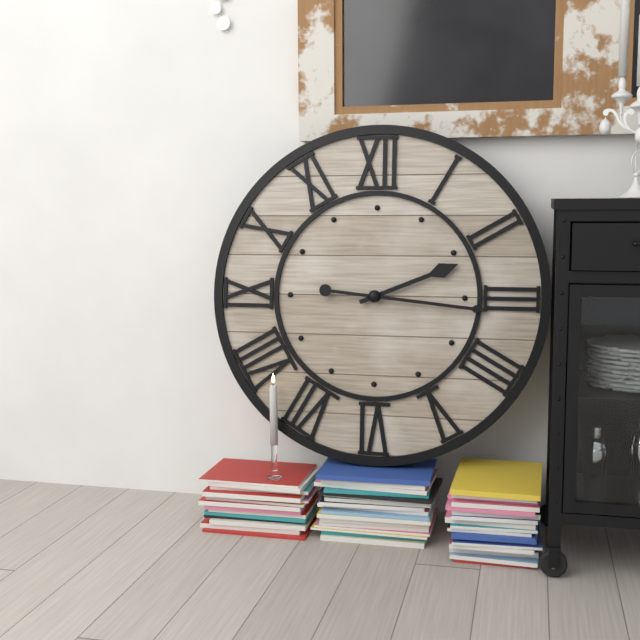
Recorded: {"hour": 2, "minute": 16}
